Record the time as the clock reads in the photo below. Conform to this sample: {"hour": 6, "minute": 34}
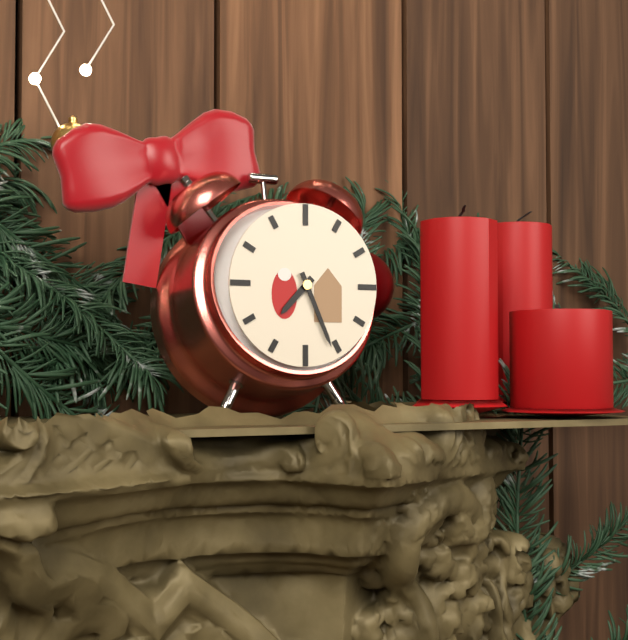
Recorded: {"hour": 7, "minute": 26}
